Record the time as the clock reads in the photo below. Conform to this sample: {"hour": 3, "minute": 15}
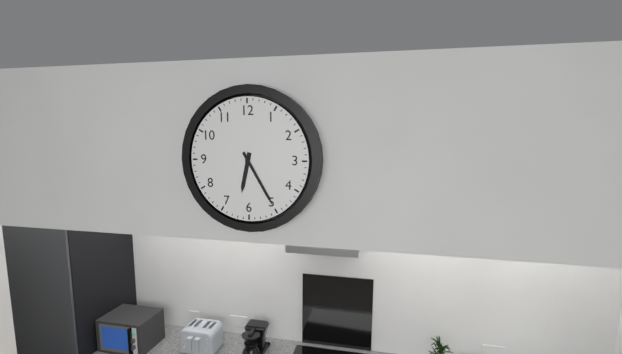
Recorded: {"hour": 6, "minute": 25}
